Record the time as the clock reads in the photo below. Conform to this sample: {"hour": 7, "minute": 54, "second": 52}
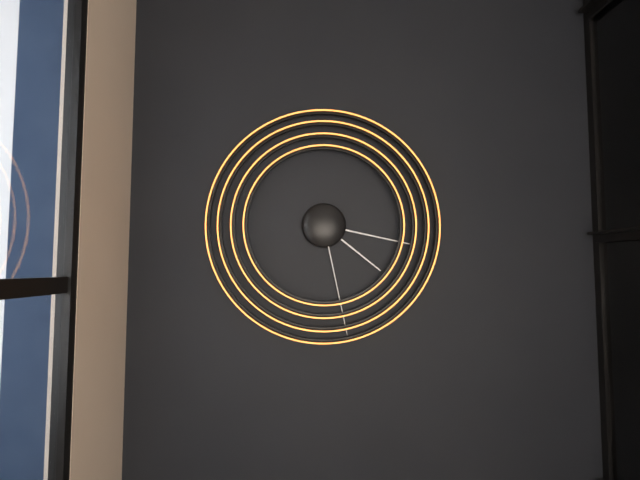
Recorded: {"hour": 4, "minute": 17, "second": 28}
